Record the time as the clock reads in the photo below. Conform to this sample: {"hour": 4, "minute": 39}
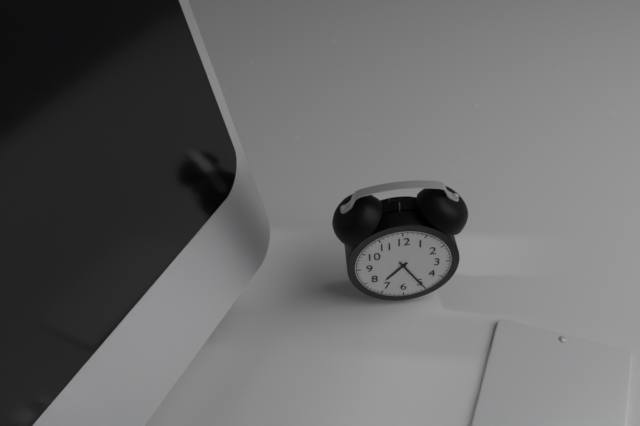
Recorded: {"hour": 7, "minute": 25}
